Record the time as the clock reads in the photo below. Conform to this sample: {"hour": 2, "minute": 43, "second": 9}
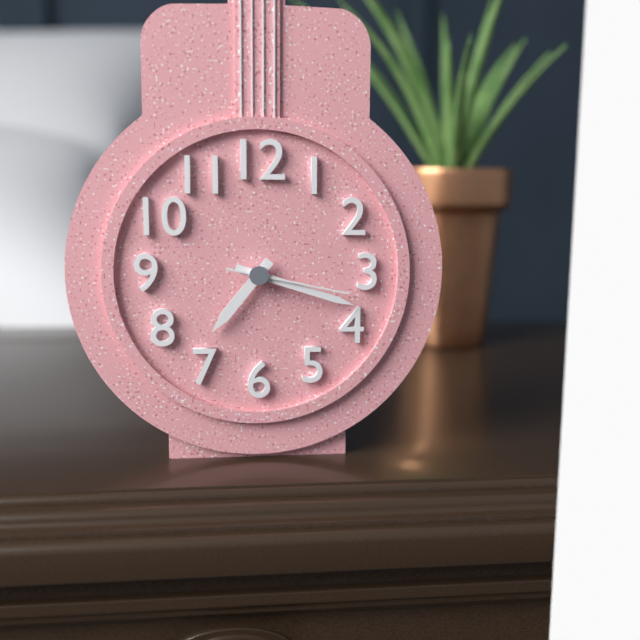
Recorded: {"hour": 7, "minute": 18, "second": 17}
